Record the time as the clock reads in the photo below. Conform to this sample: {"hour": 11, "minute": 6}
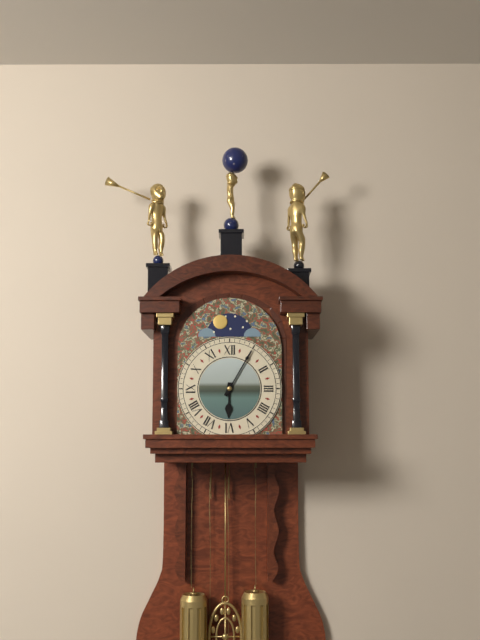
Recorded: {"hour": 6, "minute": 5}
